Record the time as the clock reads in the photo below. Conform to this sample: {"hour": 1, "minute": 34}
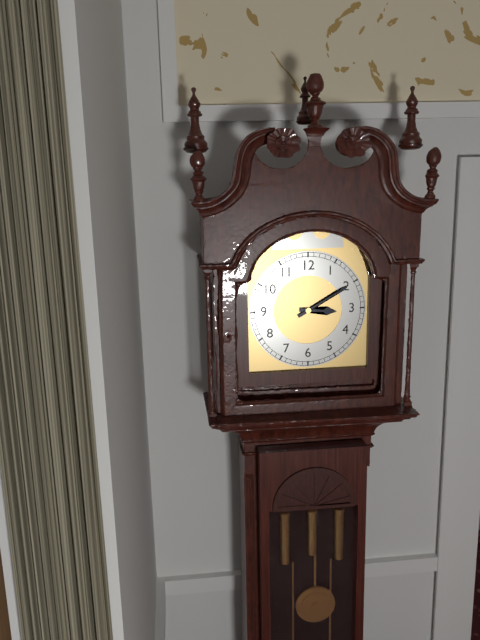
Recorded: {"hour": 3, "minute": 10}
